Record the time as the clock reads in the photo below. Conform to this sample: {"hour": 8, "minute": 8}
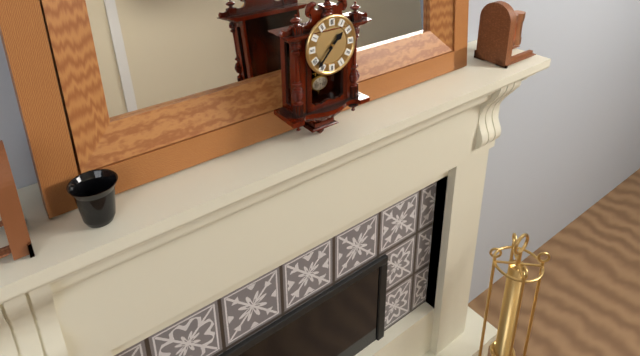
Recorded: {"hour": 1, "minute": 37}
